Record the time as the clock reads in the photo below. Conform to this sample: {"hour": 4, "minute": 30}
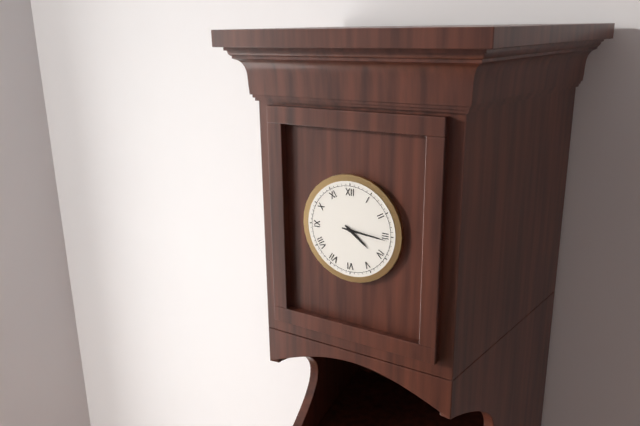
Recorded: {"hour": 4, "minute": 16}
